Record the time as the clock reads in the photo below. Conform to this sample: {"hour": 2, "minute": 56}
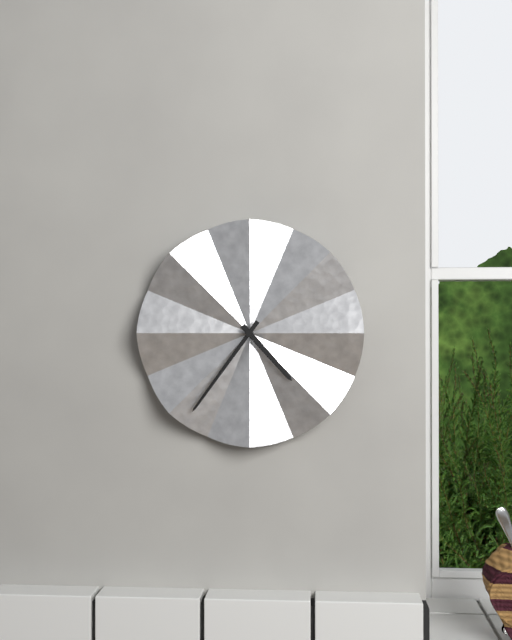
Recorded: {"hour": 4, "minute": 36}
